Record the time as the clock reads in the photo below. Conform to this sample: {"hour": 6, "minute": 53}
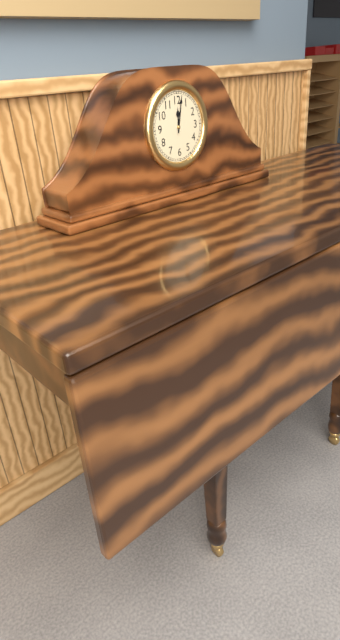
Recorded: {"hour": 12, "minute": 2}
